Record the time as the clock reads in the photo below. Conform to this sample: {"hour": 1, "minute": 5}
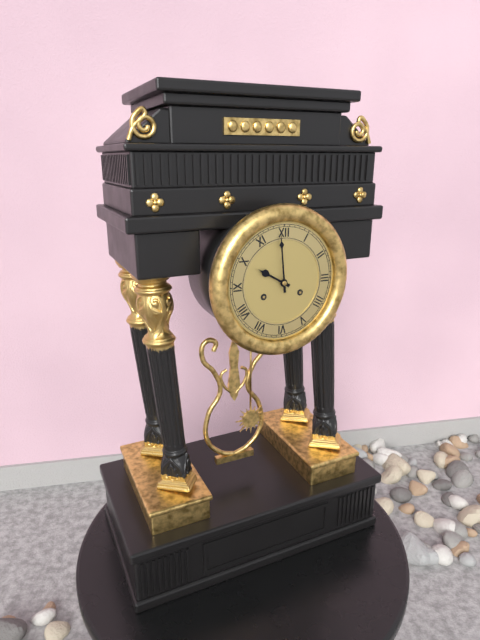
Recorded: {"hour": 9, "minute": 59}
